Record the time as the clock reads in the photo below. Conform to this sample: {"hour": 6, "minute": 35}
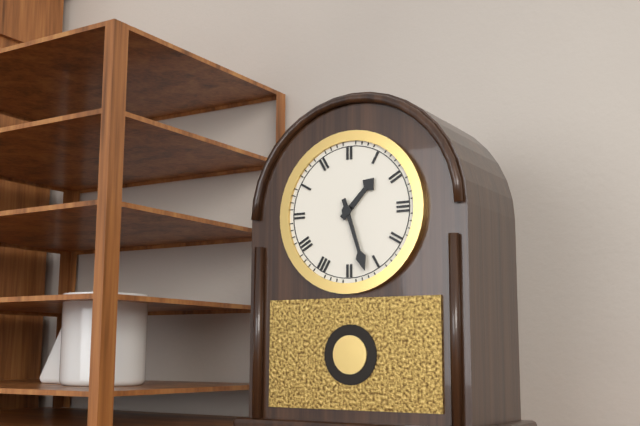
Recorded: {"hour": 1, "minute": 27}
